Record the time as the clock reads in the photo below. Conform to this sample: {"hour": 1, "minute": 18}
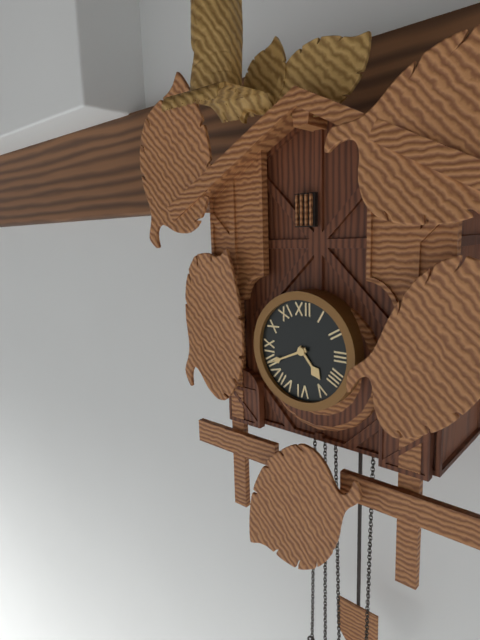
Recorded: {"hour": 4, "minute": 41}
